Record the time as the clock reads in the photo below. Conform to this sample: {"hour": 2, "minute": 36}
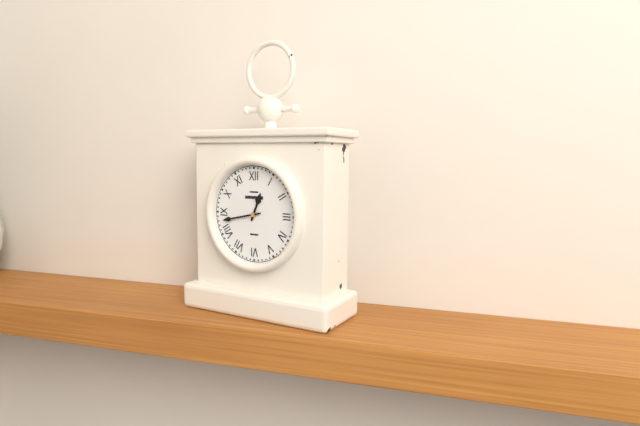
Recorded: {"hour": 12, "minute": 43}
